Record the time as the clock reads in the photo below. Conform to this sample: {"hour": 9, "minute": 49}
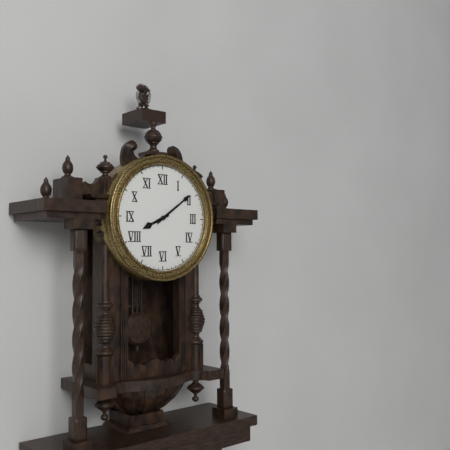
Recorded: {"hour": 8, "minute": 9}
